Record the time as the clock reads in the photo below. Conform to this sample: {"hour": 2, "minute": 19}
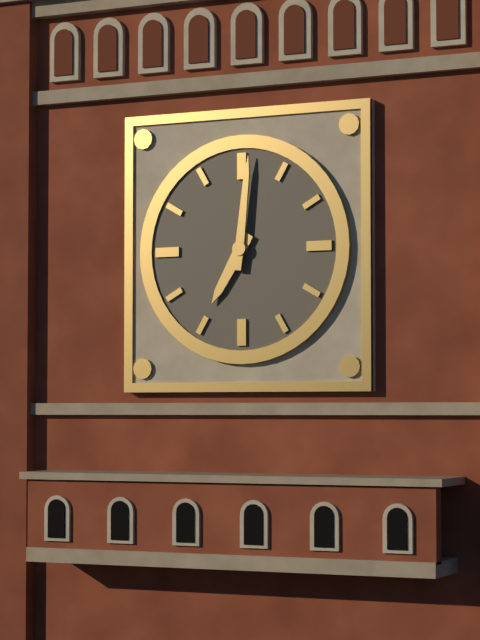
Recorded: {"hour": 7, "minute": 1}
